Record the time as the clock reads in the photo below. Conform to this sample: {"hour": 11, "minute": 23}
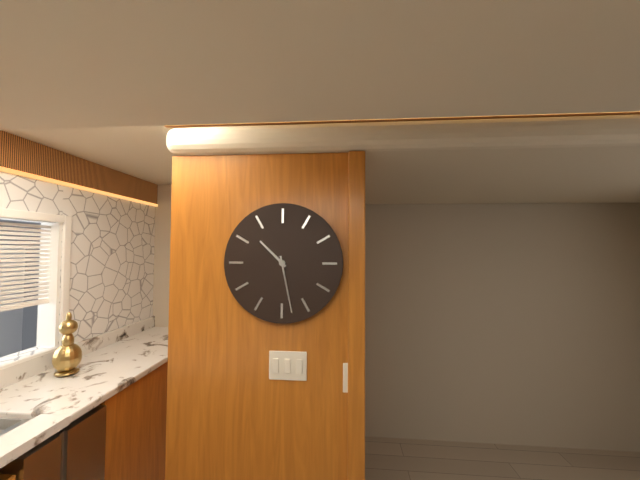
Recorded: {"hour": 10, "minute": 28}
